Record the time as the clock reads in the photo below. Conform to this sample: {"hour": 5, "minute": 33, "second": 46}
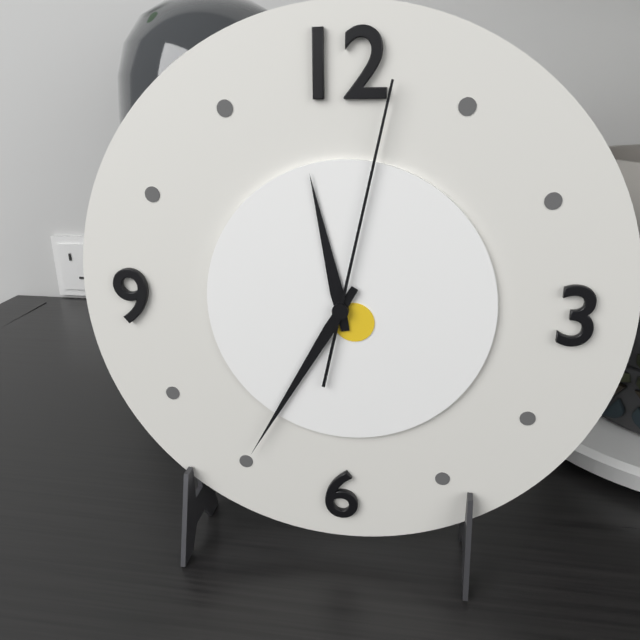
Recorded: {"hour": 11, "minute": 35, "second": 2}
